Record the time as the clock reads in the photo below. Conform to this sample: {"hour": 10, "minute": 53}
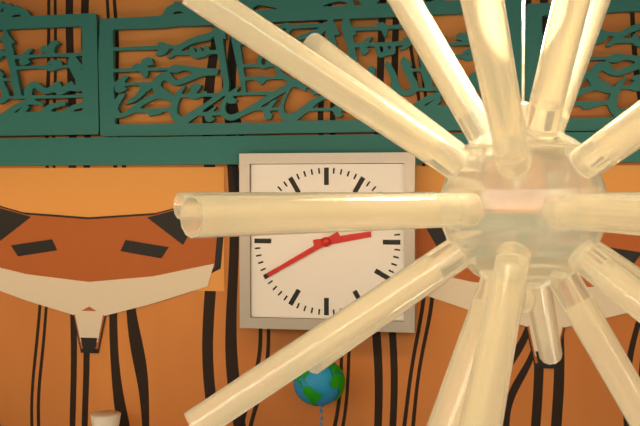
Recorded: {"hour": 2, "minute": 40}
